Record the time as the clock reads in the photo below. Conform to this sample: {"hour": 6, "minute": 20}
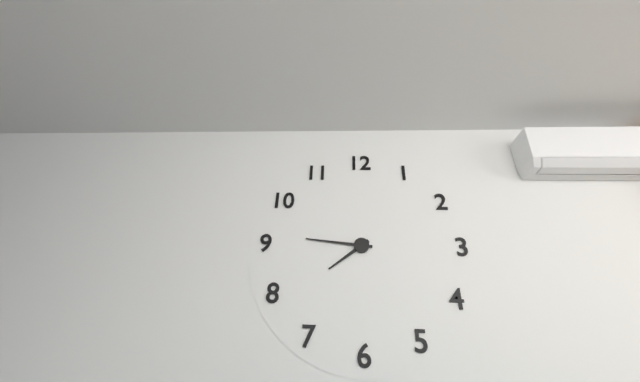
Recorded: {"hour": 7, "minute": 46}
